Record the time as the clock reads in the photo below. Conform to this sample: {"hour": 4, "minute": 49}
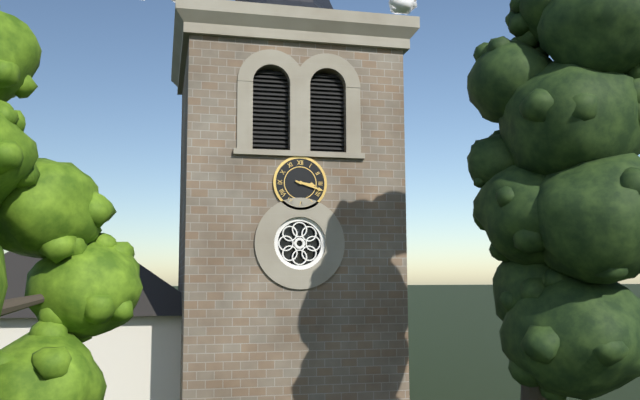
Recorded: {"hour": 3, "minute": 18}
